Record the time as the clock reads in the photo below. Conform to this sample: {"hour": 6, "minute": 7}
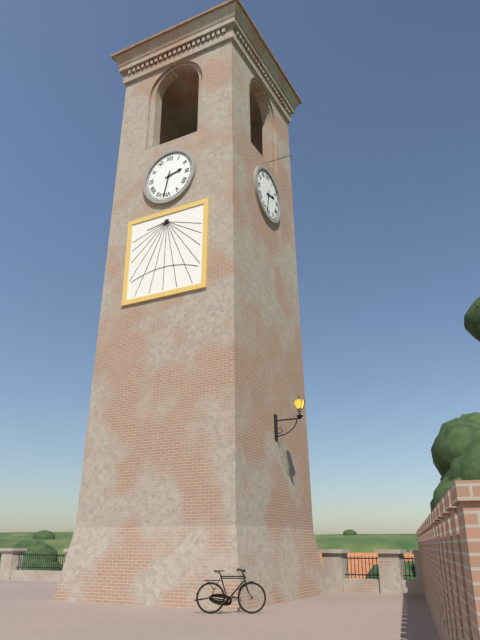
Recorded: {"hour": 2, "minute": 32}
